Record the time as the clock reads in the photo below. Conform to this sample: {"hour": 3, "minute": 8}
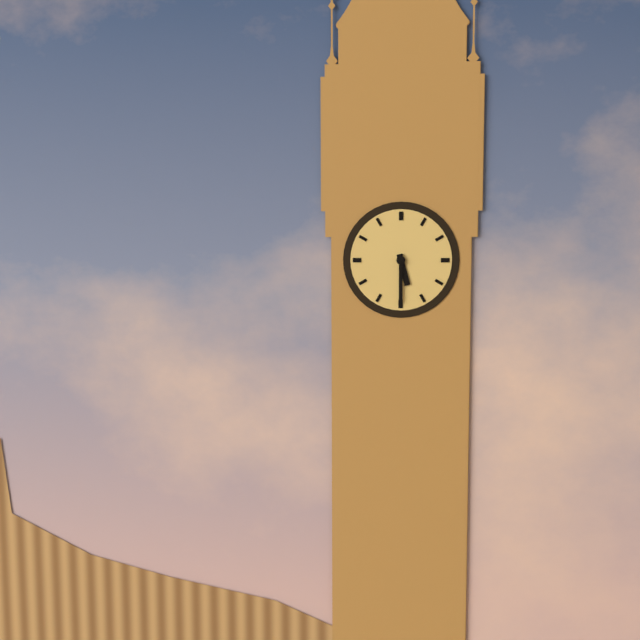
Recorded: {"hour": 5, "minute": 30}
